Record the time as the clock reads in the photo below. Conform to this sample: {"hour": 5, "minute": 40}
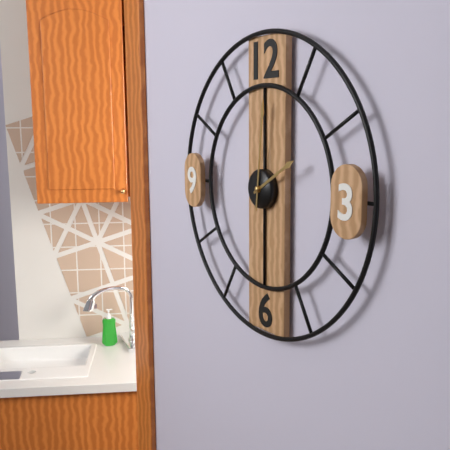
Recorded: {"hour": 2, "minute": 1}
